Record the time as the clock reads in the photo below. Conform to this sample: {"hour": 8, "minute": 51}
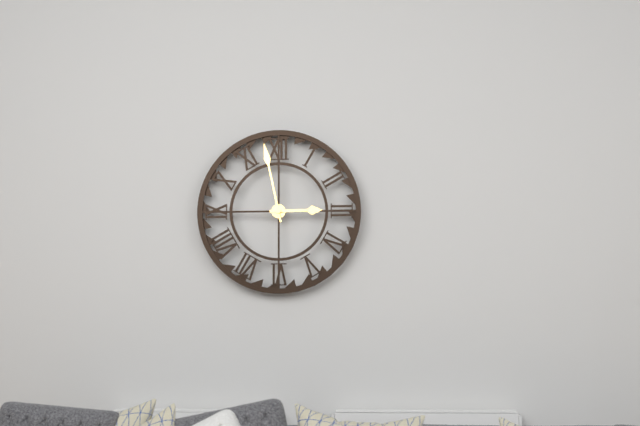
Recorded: {"hour": 2, "minute": 58}
